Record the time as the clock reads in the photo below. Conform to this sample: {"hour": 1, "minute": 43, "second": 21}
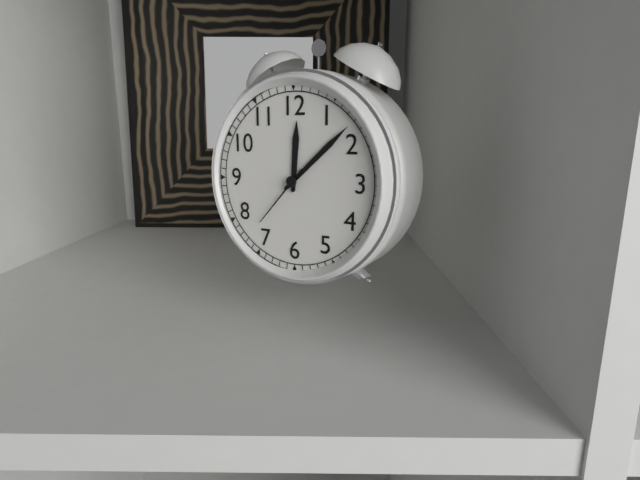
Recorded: {"hour": 12, "minute": 8, "second": 37}
